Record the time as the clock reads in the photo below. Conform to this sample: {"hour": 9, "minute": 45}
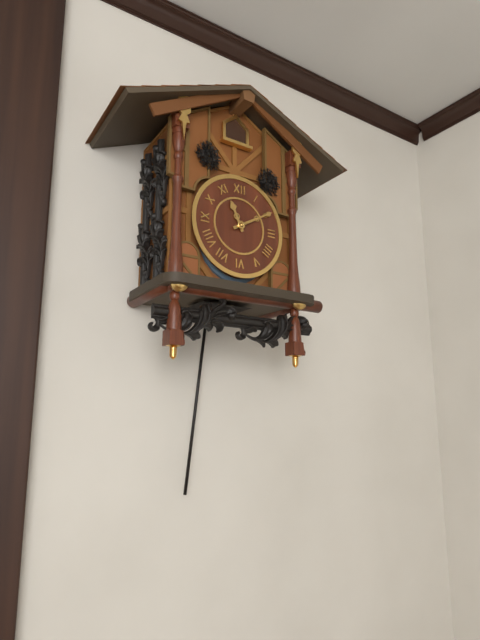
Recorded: {"hour": 11, "minute": 10}
